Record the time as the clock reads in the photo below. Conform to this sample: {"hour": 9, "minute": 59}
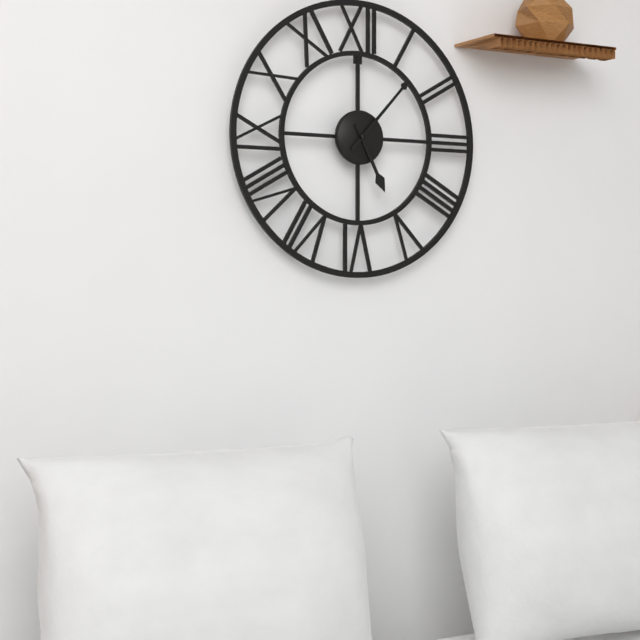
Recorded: {"hour": 5, "minute": 7}
